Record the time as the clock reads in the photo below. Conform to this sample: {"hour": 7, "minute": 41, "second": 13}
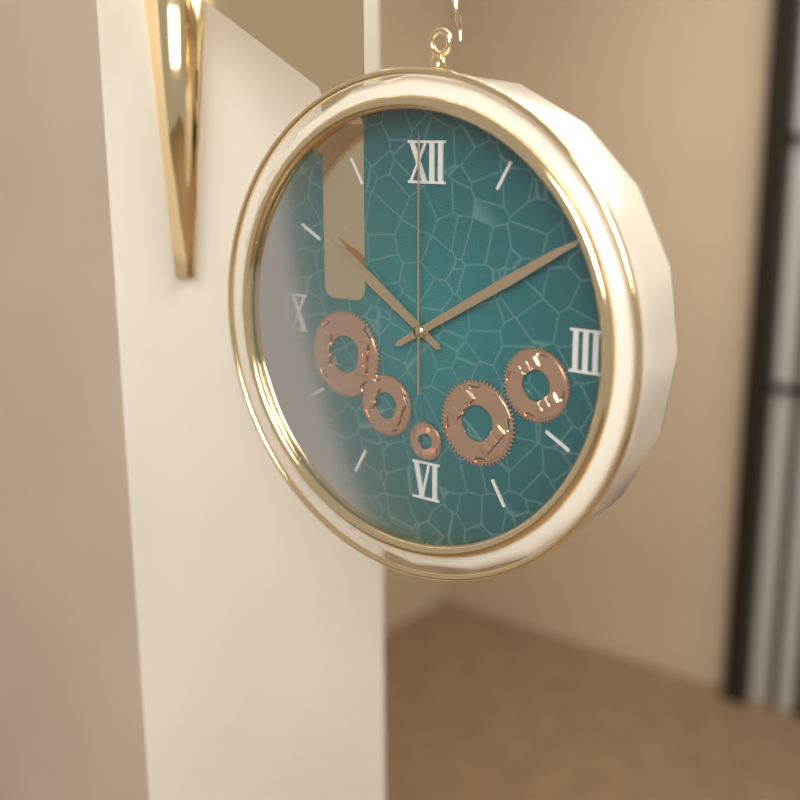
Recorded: {"hour": 10, "minute": 10, "second": 0}
